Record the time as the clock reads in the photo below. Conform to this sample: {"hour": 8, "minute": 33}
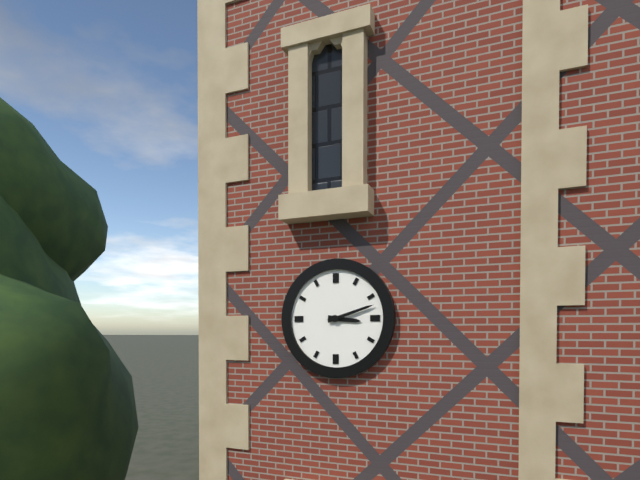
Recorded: {"hour": 3, "minute": 12}
